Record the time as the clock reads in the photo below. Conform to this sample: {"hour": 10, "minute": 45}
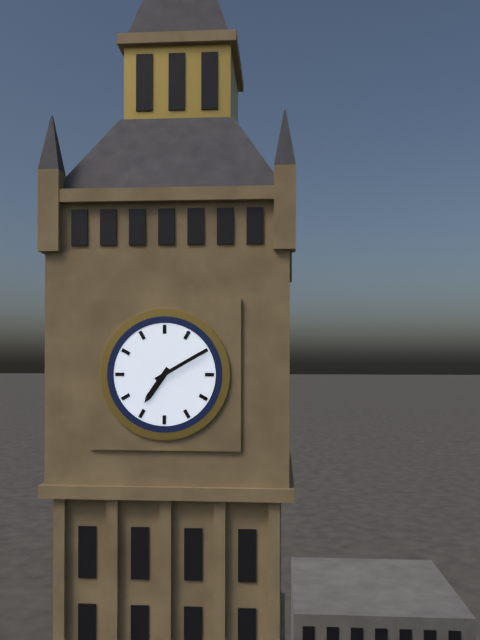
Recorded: {"hour": 7, "minute": 10}
